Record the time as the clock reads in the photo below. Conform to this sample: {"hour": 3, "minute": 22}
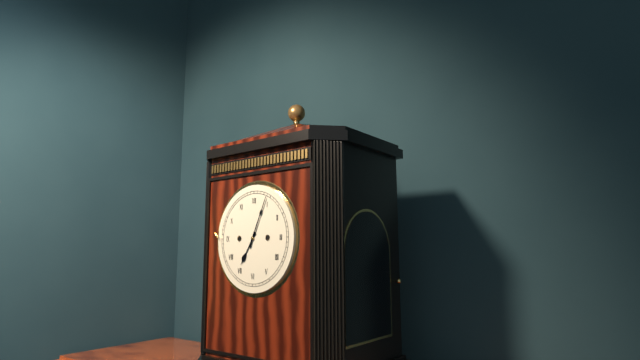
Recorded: {"hour": 7, "minute": 4}
